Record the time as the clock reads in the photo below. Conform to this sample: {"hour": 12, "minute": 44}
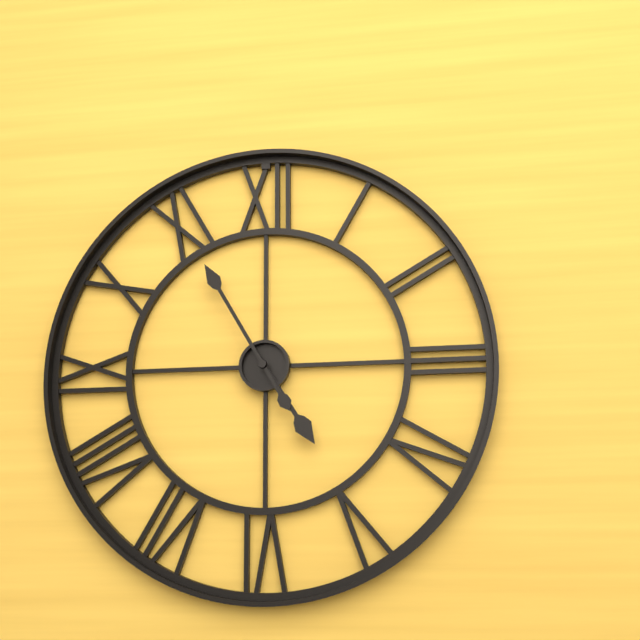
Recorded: {"hour": 4, "minute": 55}
